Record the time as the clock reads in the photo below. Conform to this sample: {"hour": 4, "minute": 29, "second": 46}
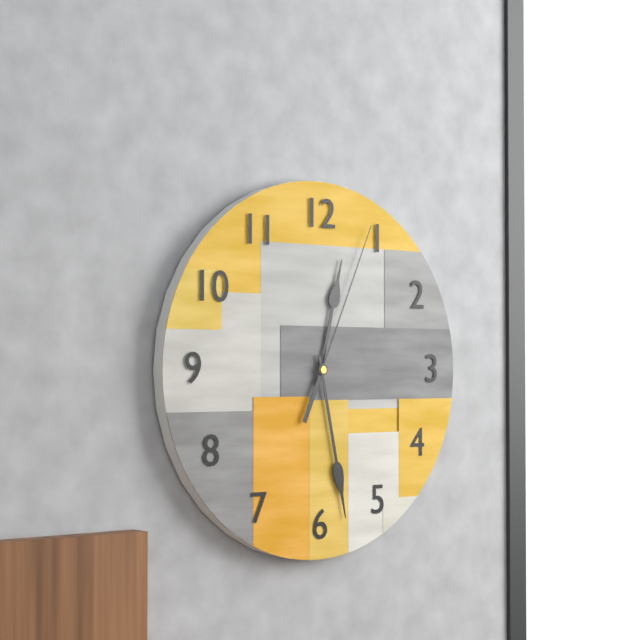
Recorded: {"hour": 12, "minute": 28, "second": 4}
